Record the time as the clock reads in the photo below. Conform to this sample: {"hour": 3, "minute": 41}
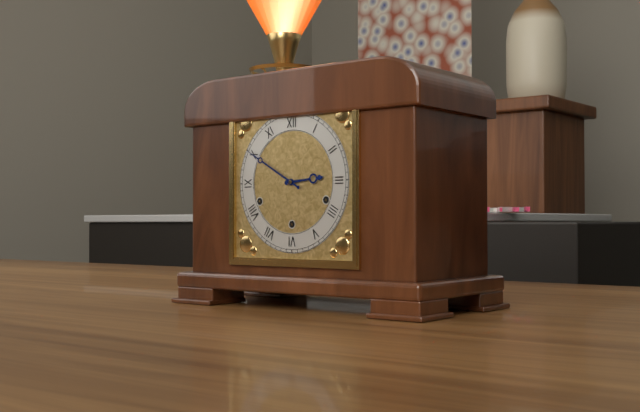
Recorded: {"hour": 2, "minute": 50}
